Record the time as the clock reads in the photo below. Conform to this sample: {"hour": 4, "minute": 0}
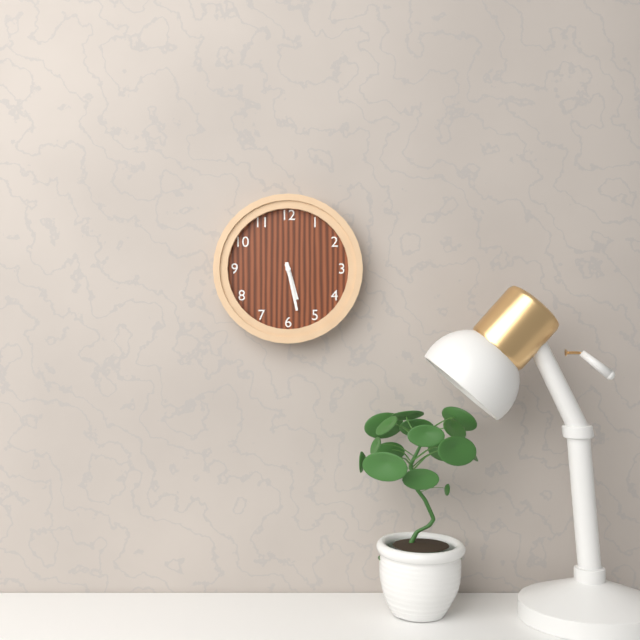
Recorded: {"hour": 5, "minute": 28}
